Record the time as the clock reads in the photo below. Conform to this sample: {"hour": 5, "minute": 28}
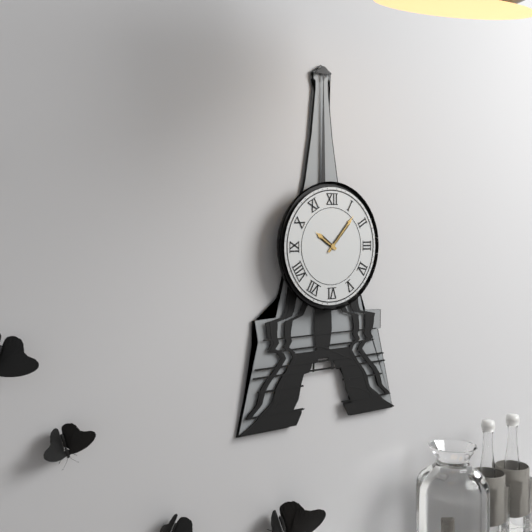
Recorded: {"hour": 10, "minute": 7}
